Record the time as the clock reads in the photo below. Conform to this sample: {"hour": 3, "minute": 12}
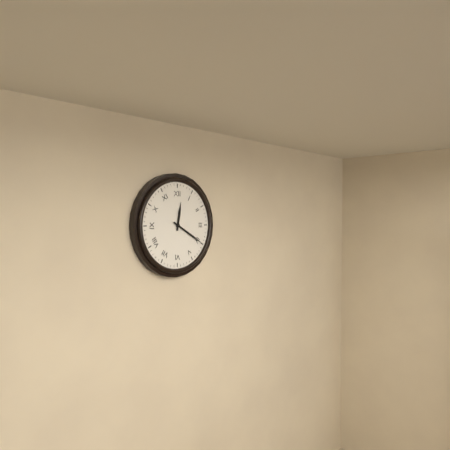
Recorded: {"hour": 12, "minute": 20}
